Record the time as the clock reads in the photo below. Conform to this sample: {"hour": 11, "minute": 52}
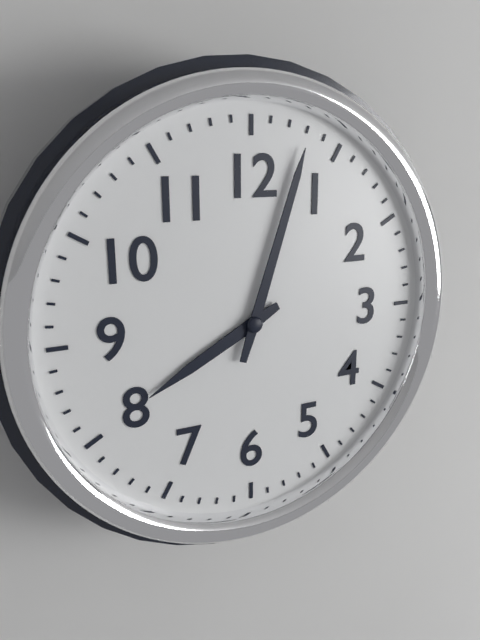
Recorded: {"hour": 8, "minute": 3}
